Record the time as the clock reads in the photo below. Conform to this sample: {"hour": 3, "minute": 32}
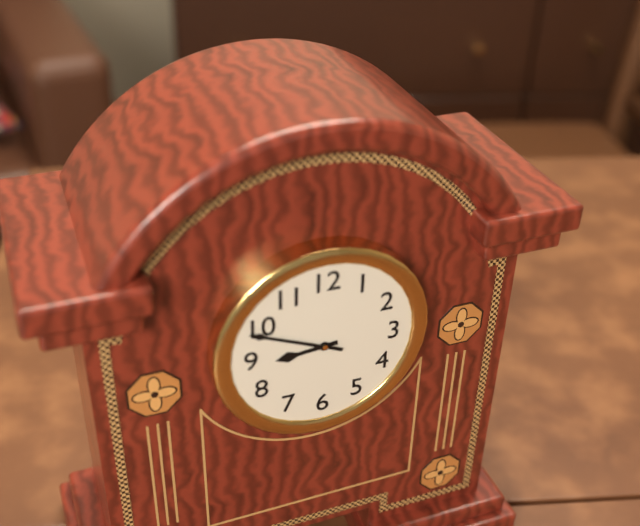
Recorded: {"hour": 8, "minute": 49}
